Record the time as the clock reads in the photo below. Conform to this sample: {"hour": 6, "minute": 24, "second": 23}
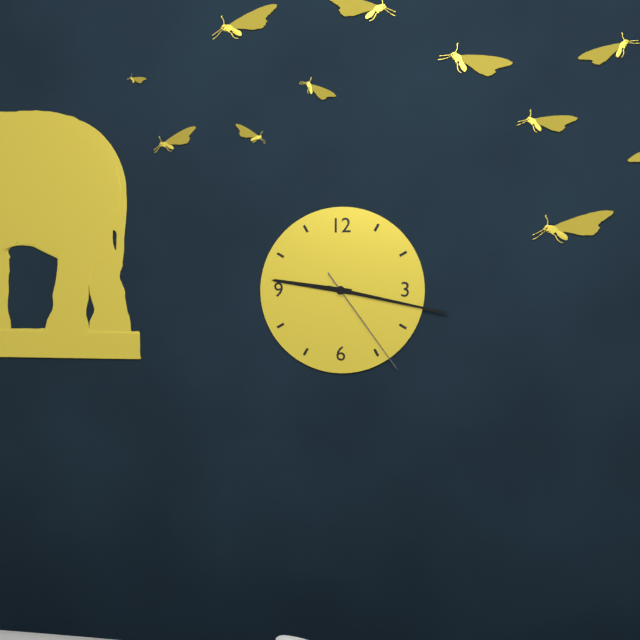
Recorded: {"hour": 9, "minute": 17, "second": 24}
